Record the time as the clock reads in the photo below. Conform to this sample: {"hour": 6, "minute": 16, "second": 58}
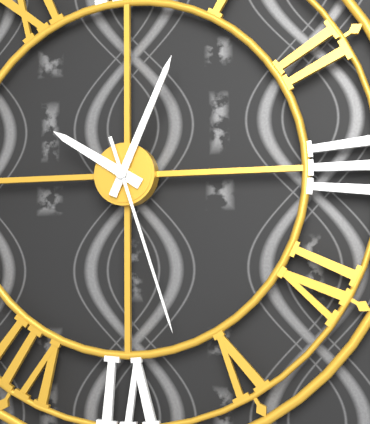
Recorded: {"hour": 10, "minute": 4, "second": 27}
